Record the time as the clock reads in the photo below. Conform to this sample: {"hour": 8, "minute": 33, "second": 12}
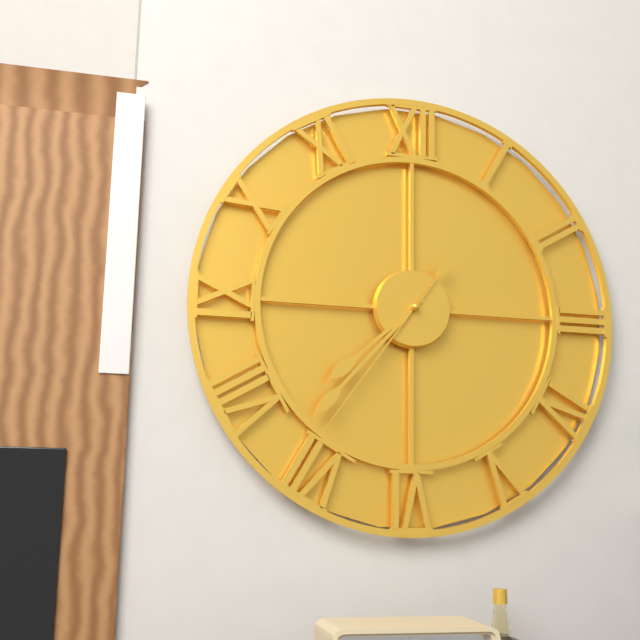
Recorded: {"hour": 7, "minute": 37, "second": 36}
